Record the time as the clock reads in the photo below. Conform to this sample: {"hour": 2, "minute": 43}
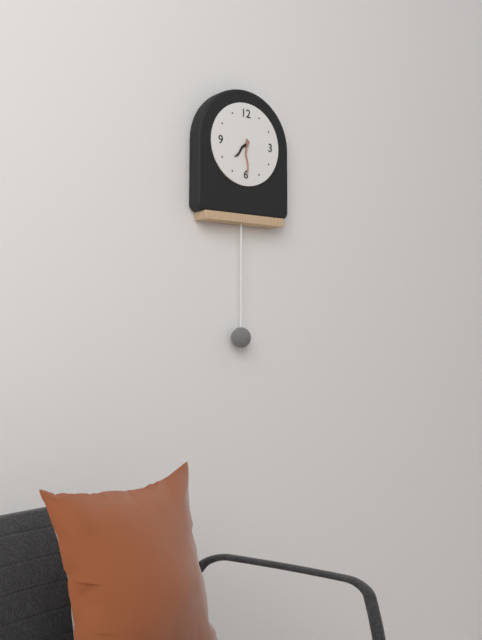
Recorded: {"hour": 7, "minute": 30}
